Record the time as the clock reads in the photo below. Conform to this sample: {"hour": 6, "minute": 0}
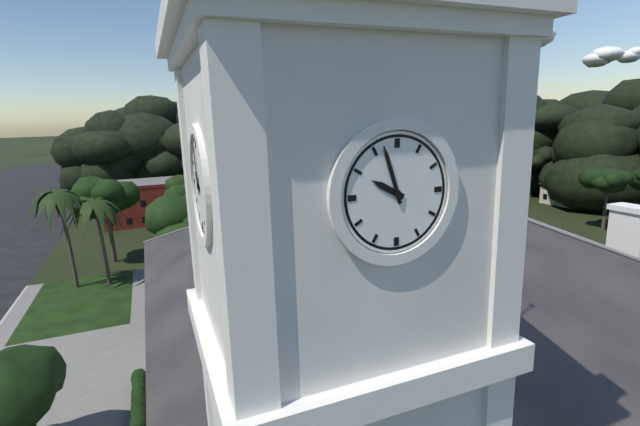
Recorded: {"hour": 9, "minute": 57}
